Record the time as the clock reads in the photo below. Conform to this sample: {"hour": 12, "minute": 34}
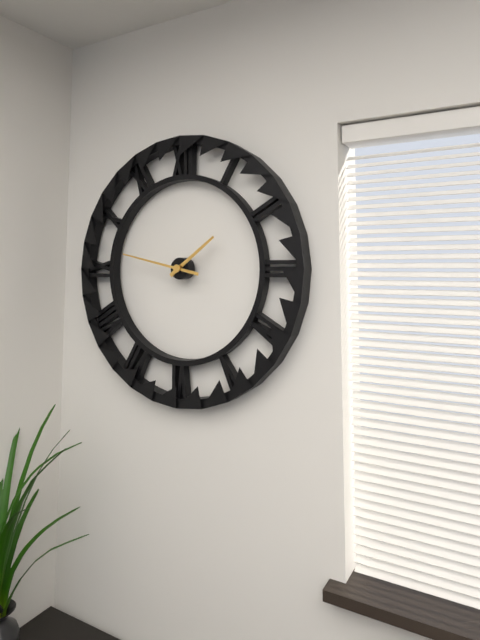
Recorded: {"hour": 1, "minute": 47}
